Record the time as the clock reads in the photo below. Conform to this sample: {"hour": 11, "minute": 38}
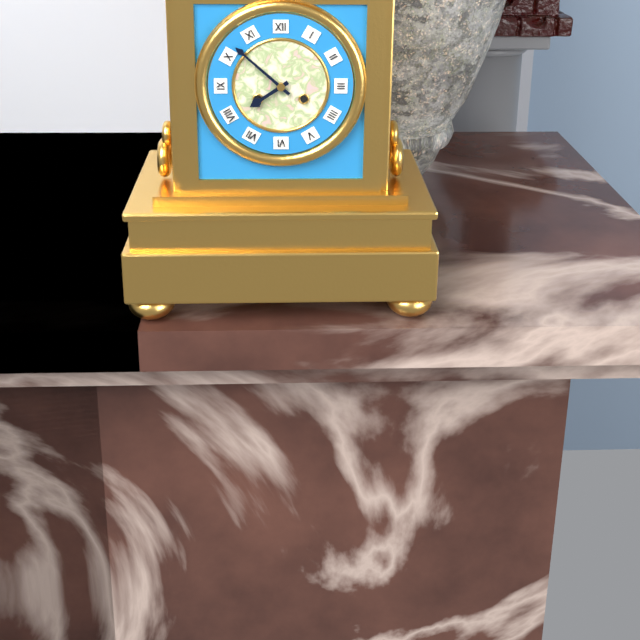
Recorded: {"hour": 7, "minute": 52}
